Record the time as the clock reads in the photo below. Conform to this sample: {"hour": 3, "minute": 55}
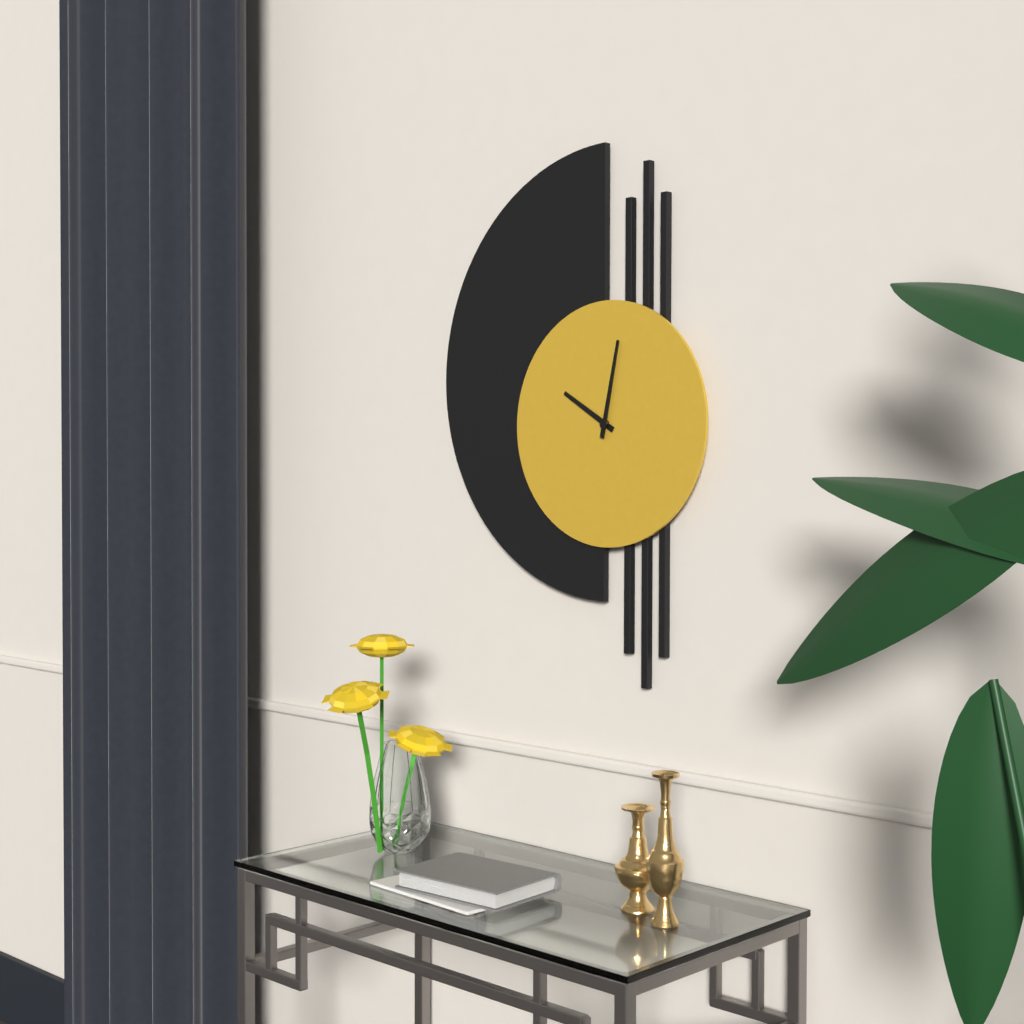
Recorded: {"hour": 10, "minute": 2}
